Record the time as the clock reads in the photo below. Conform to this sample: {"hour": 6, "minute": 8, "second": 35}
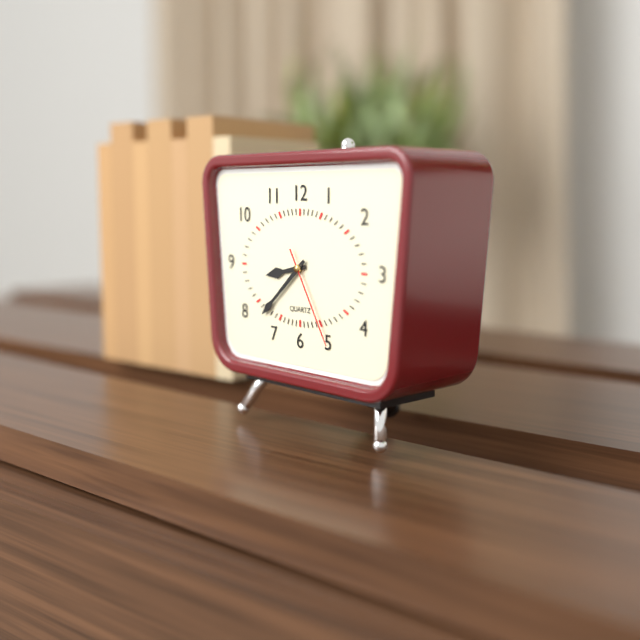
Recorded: {"hour": 8, "minute": 38, "second": 25}
